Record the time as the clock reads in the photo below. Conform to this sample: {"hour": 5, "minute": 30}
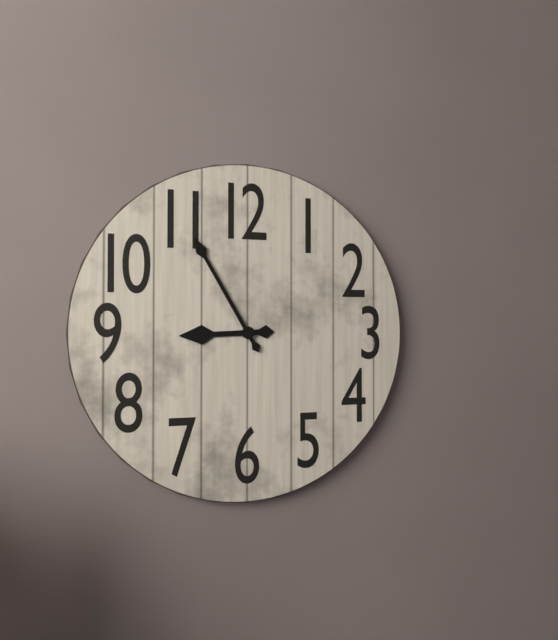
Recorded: {"hour": 8, "minute": 55}
